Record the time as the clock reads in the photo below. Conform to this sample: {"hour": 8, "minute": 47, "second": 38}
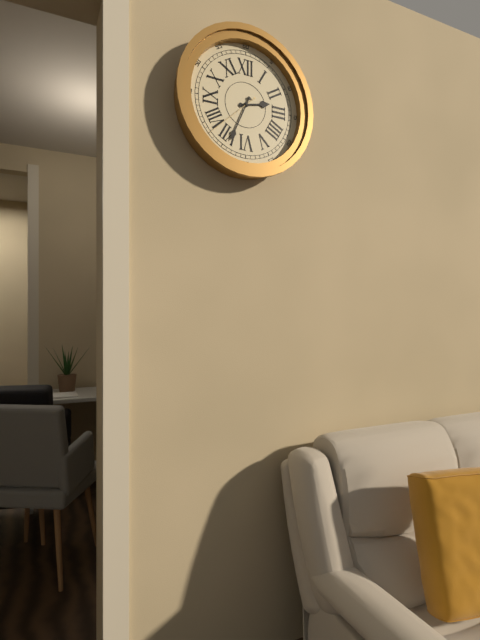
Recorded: {"hour": 2, "minute": 34, "second": 38}
